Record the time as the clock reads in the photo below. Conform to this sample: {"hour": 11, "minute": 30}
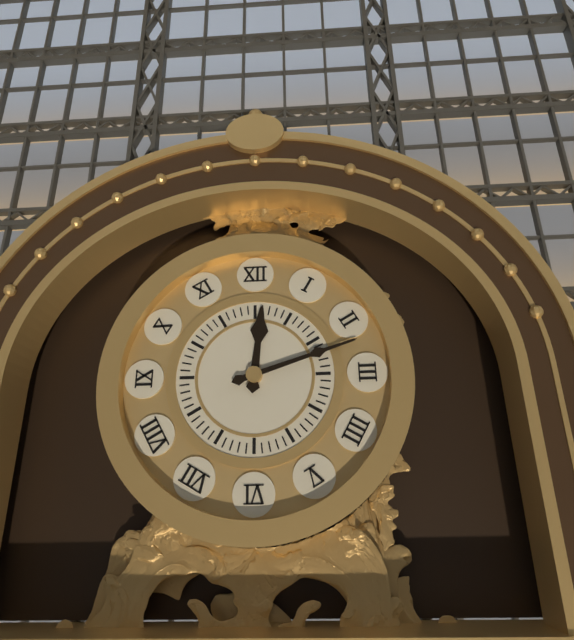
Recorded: {"hour": 12, "minute": 12}
